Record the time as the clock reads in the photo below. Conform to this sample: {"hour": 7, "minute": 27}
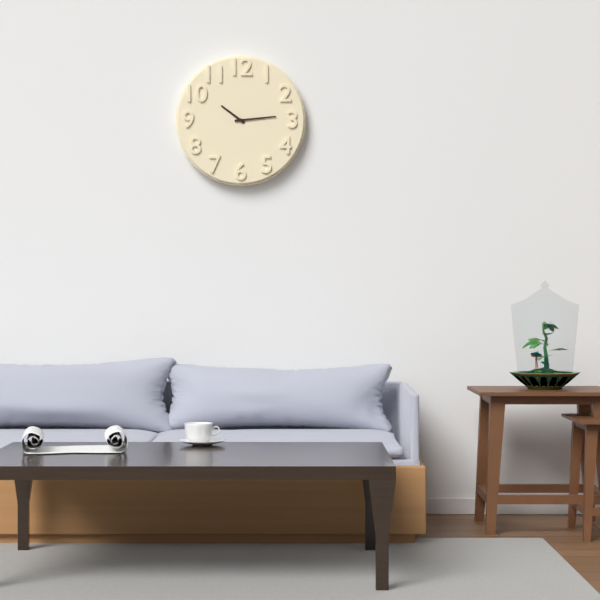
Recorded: {"hour": 10, "minute": 14}
